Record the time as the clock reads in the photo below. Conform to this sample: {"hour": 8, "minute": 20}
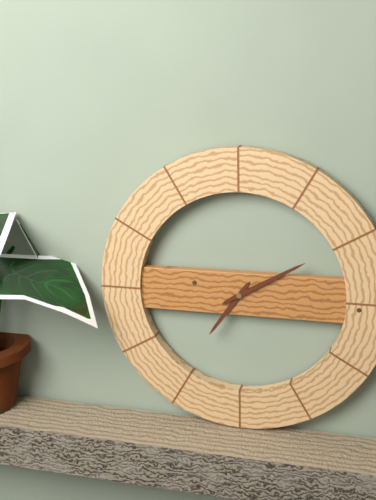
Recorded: {"hour": 7, "minute": 10}
